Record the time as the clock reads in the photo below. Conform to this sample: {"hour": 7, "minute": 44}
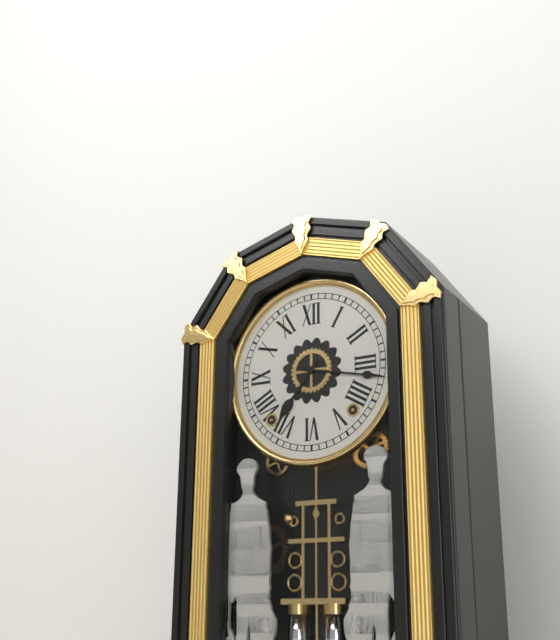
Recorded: {"hour": 7, "minute": 17}
